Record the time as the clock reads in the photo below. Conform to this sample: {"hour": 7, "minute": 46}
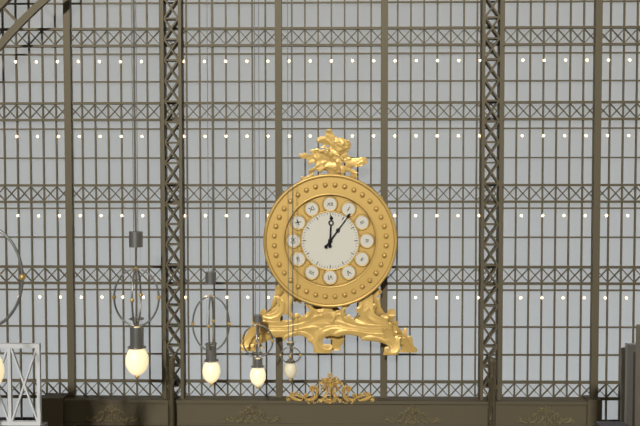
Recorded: {"hour": 12, "minute": 6}
